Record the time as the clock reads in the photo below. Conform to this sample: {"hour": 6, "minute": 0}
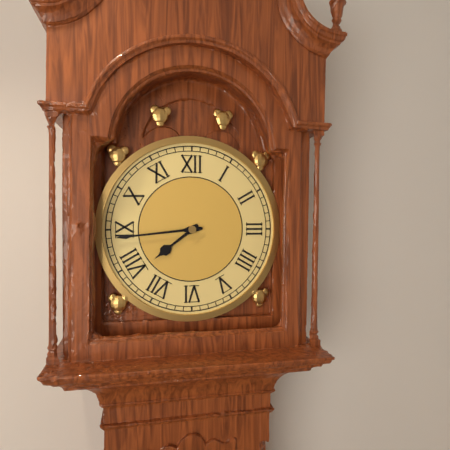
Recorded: {"hour": 7, "minute": 44}
